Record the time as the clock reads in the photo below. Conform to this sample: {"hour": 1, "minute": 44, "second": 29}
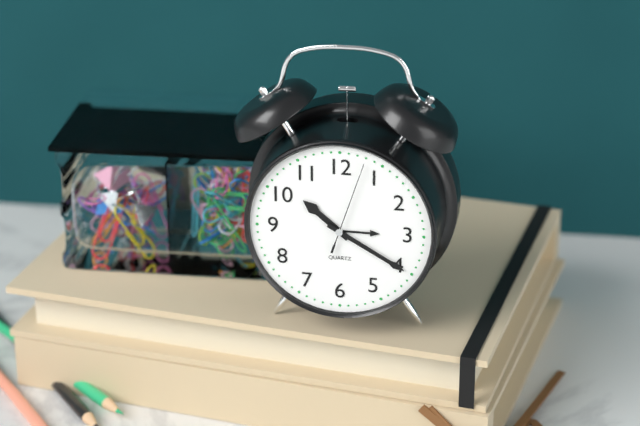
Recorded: {"hour": 10, "minute": 20, "second": 3}
